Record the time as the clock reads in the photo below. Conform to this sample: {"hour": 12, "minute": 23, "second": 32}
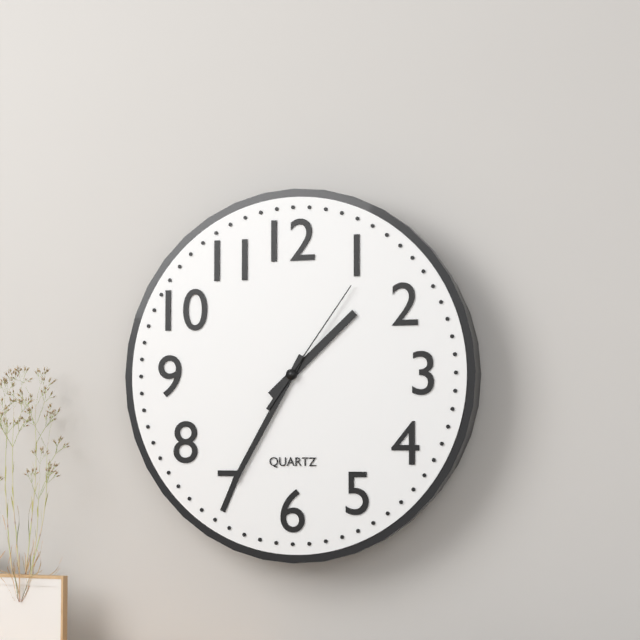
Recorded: {"hour": 1, "minute": 35, "second": 6}
